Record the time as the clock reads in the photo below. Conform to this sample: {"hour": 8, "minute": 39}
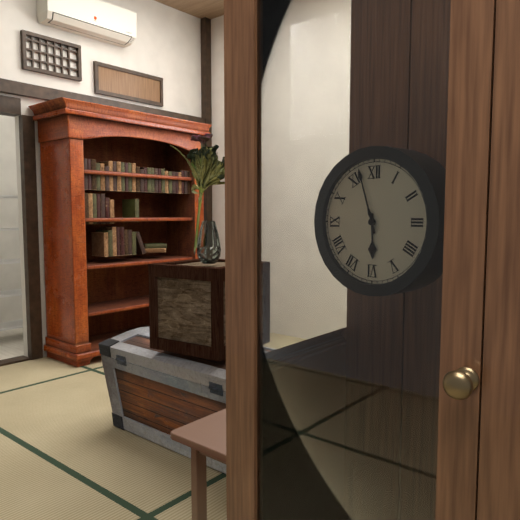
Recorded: {"hour": 5, "minute": 57}
